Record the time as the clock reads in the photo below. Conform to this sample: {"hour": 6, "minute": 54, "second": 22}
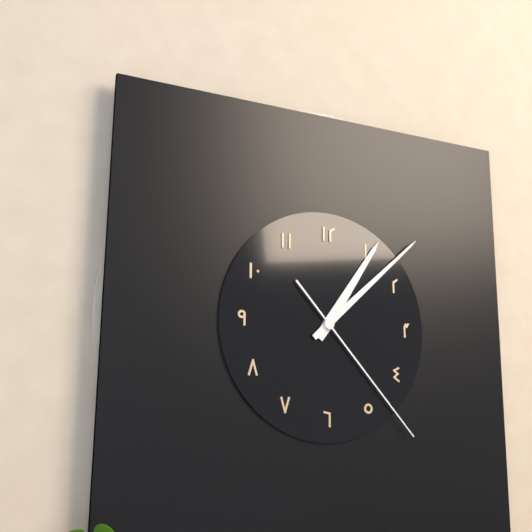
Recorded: {"hour": 1, "minute": 8, "second": 23}
